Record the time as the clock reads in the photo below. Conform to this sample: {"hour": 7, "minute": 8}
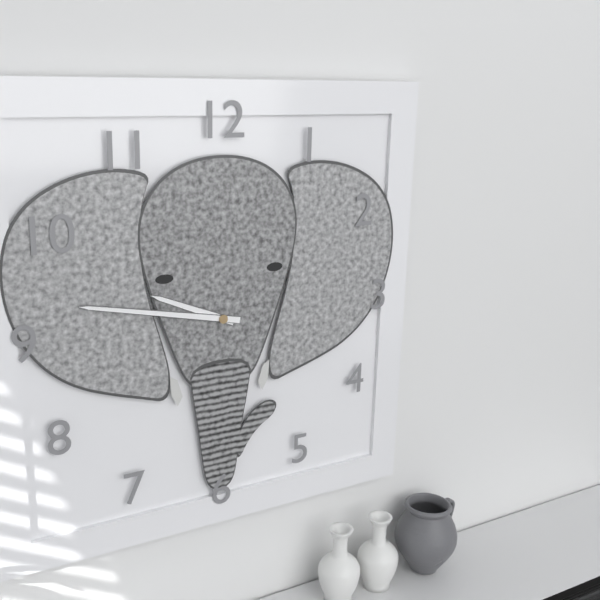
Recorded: {"hour": 9, "minute": 47}
